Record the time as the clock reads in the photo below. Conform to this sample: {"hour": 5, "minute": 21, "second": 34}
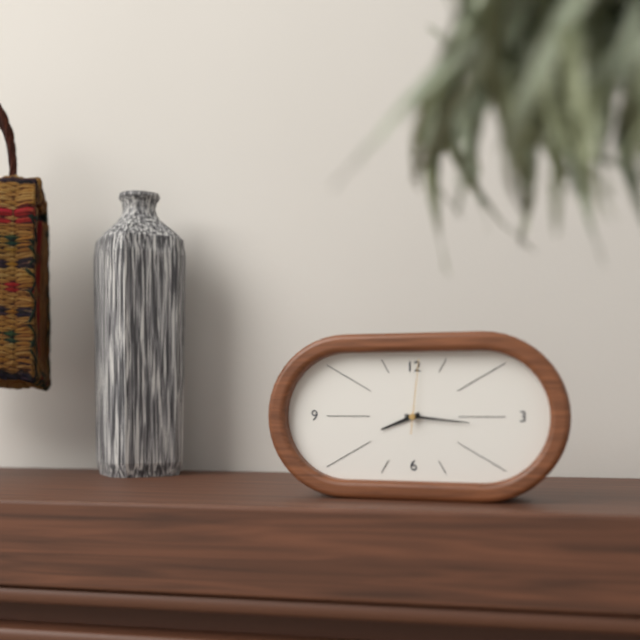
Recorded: {"hour": 8, "minute": 16, "second": 1}
